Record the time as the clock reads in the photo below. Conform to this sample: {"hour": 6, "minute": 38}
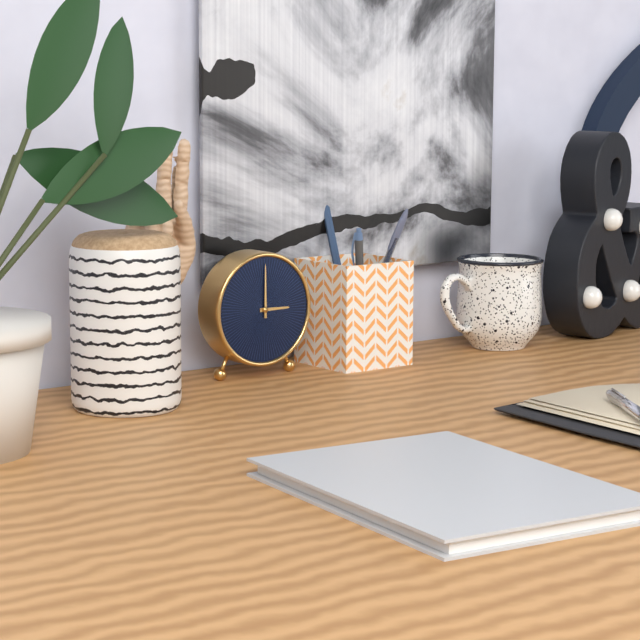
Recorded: {"hour": 3, "minute": 0}
